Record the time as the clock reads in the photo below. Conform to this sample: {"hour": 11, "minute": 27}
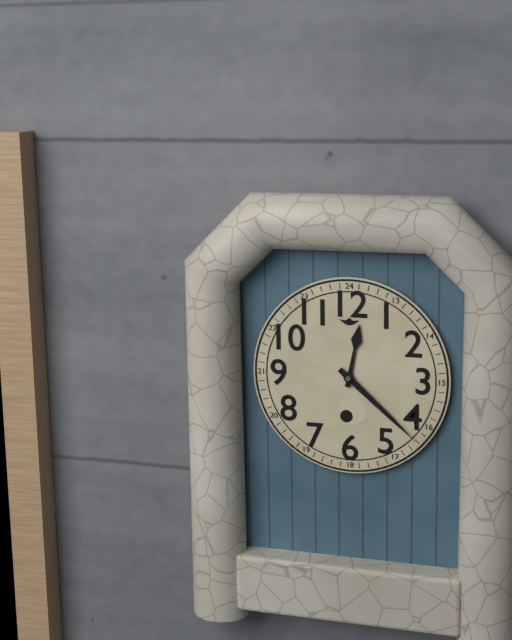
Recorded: {"hour": 12, "minute": 22}
